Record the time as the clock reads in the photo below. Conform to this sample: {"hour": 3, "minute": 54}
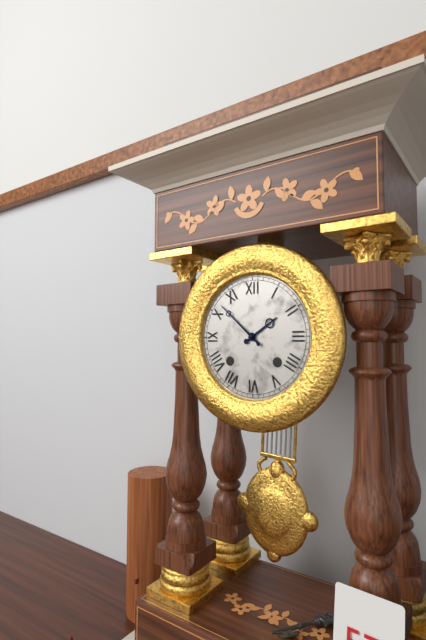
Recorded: {"hour": 1, "minute": 52}
